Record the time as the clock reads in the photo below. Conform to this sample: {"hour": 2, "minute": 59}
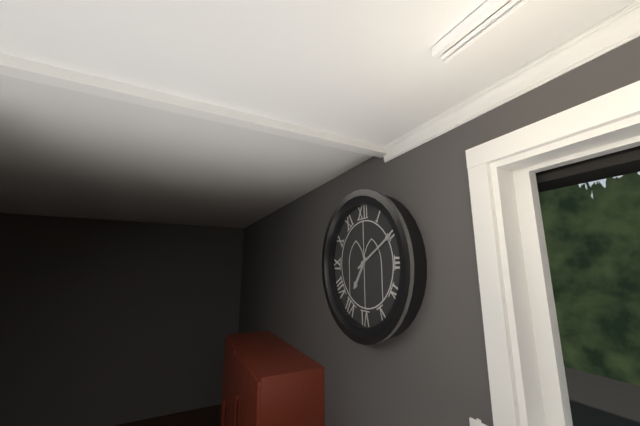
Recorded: {"hour": 7, "minute": 10}
